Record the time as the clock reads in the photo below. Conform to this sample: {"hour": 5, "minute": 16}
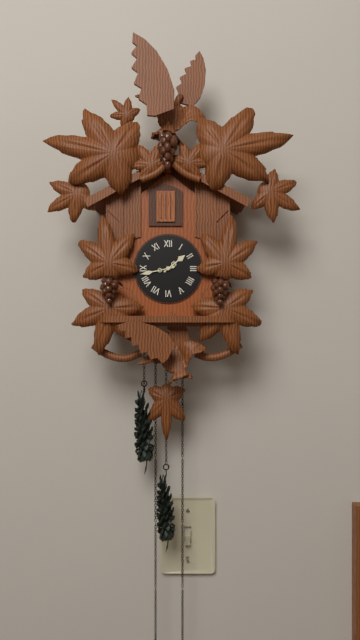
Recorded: {"hour": 1, "minute": 43}
